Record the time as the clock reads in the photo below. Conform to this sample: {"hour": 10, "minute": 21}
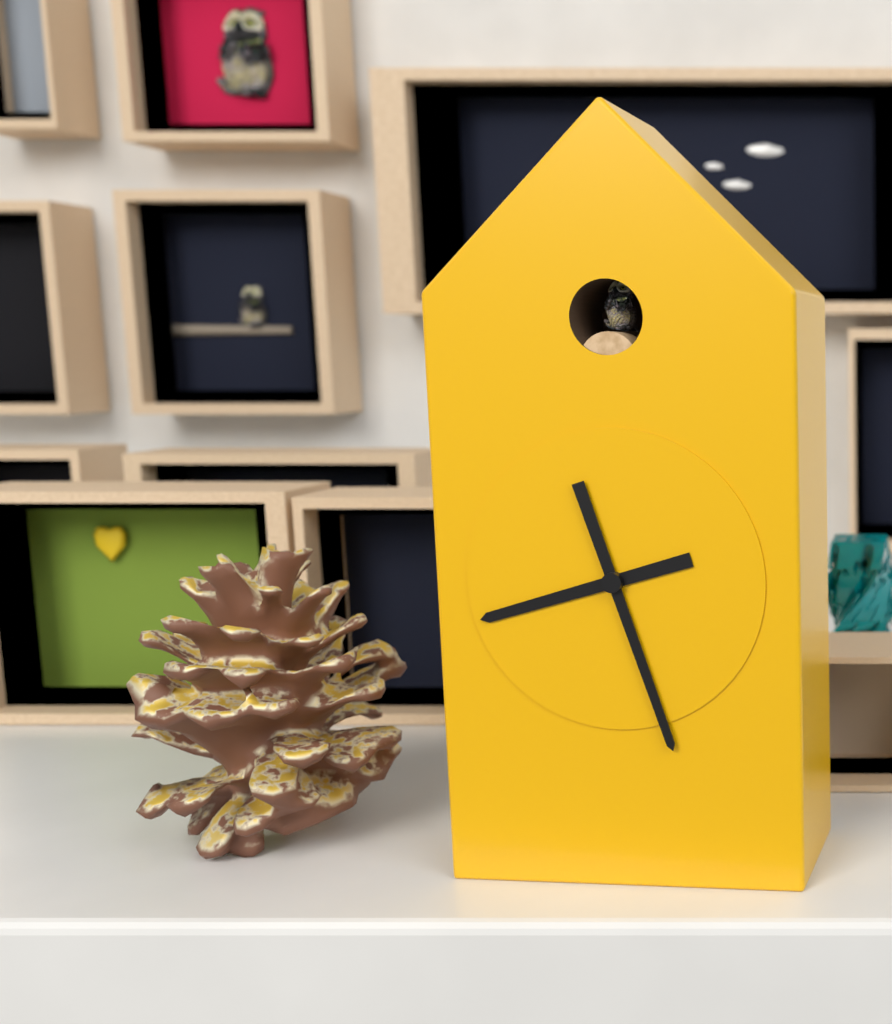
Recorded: {"hour": 8, "minute": 27}
